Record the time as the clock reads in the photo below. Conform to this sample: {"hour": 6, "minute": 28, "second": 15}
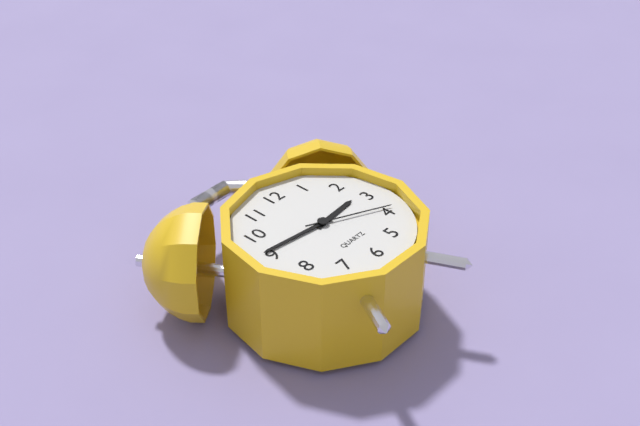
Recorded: {"hour": 2, "minute": 46, "second": 19}
